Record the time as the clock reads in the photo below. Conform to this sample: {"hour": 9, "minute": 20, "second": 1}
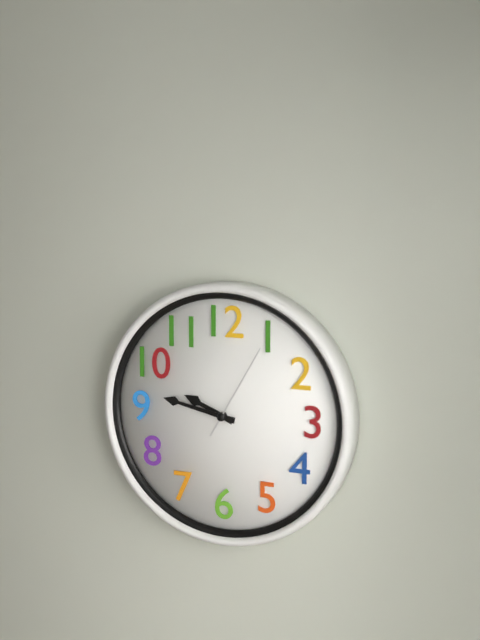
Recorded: {"hour": 9, "minute": 47, "second": 5}
